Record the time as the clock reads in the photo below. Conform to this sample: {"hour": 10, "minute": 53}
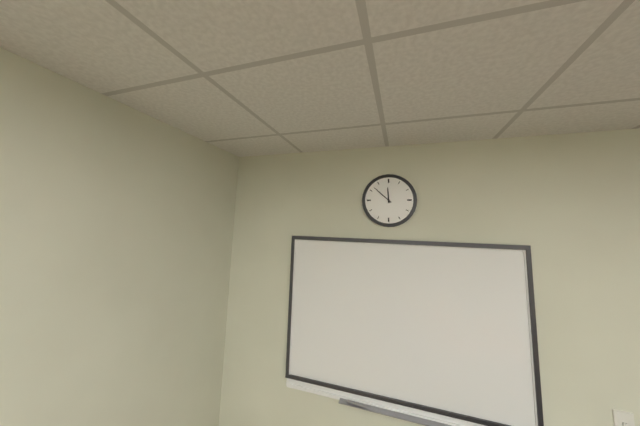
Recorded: {"hour": 11, "minute": 52}
